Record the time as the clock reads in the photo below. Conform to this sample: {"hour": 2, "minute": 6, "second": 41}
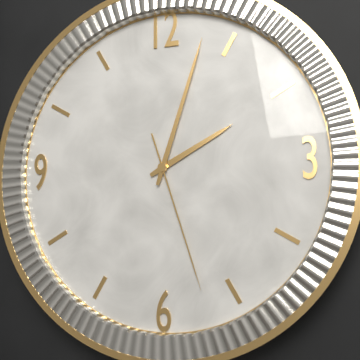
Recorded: {"hour": 2, "minute": 3, "second": 27}
